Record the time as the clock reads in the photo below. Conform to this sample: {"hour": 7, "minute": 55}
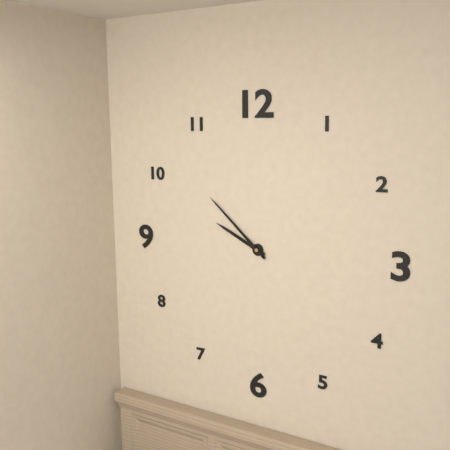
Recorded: {"hour": 9, "minute": 52}
